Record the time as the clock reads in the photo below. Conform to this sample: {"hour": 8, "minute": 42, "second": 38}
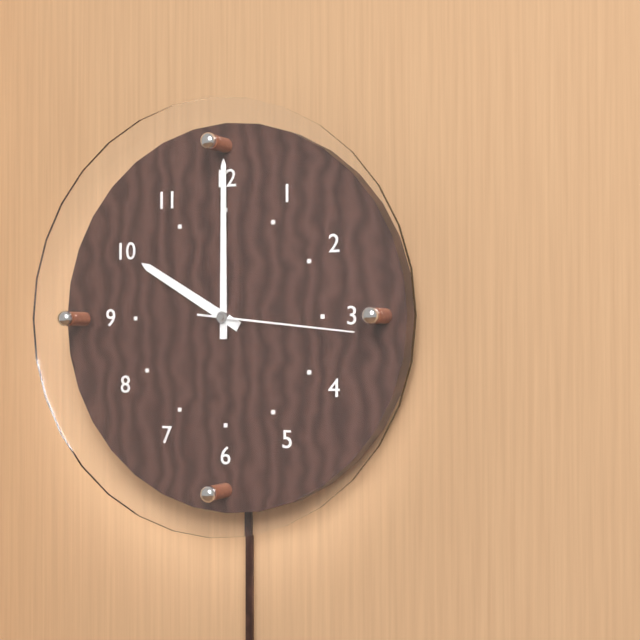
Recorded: {"hour": 10, "minute": 0, "second": 16}
